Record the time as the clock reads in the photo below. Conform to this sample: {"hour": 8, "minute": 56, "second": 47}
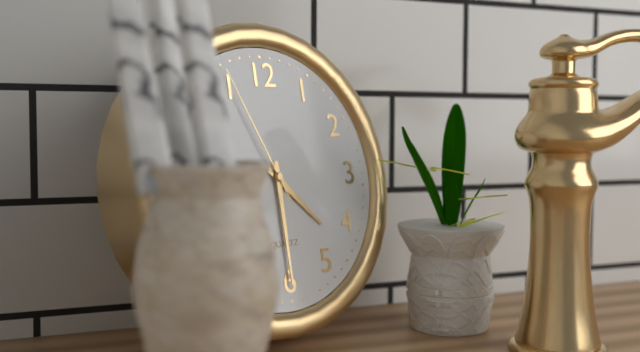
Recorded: {"hour": 4, "minute": 30, "second": 56}
